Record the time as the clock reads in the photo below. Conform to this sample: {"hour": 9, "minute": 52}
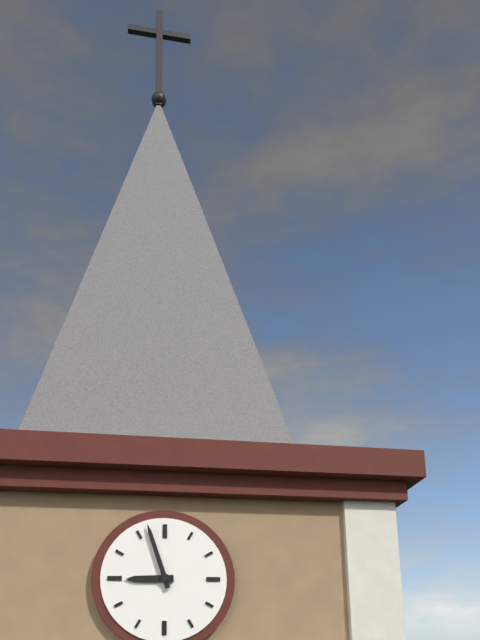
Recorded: {"hour": 8, "minute": 57}
